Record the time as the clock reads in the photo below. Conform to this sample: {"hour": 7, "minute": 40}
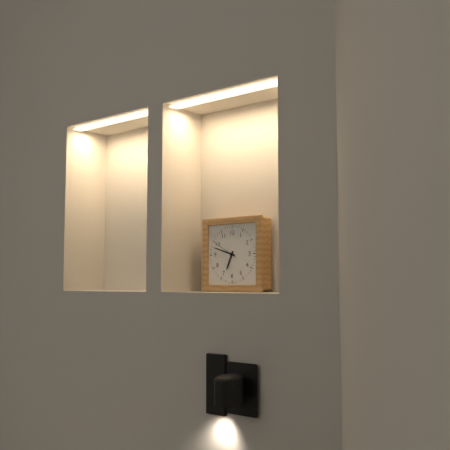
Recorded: {"hour": 6, "minute": 48}
